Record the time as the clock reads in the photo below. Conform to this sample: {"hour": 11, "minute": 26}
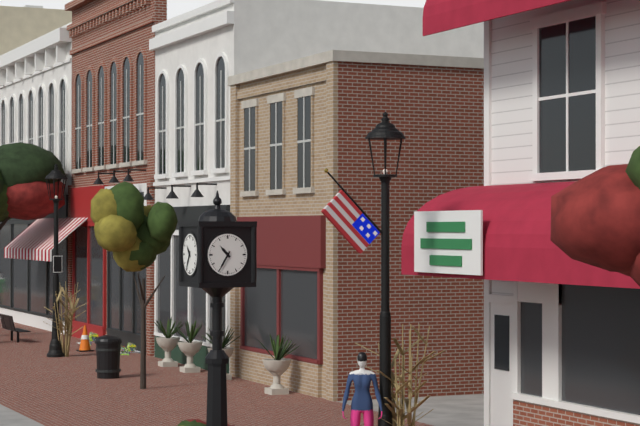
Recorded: {"hour": 10, "minute": 35}
